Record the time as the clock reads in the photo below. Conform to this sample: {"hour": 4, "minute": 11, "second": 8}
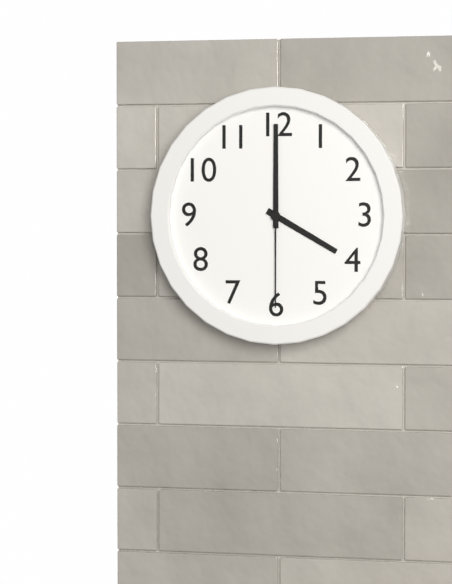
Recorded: {"hour": 4, "minute": 0, "second": 30}
